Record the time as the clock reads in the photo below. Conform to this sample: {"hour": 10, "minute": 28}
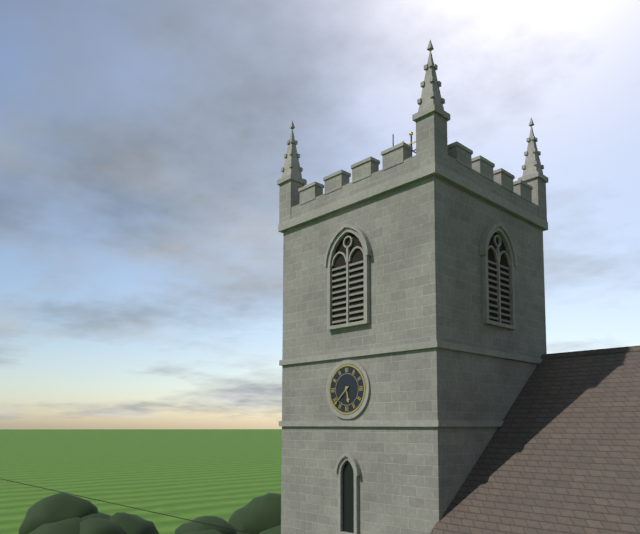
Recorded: {"hour": 5, "minute": 38}
